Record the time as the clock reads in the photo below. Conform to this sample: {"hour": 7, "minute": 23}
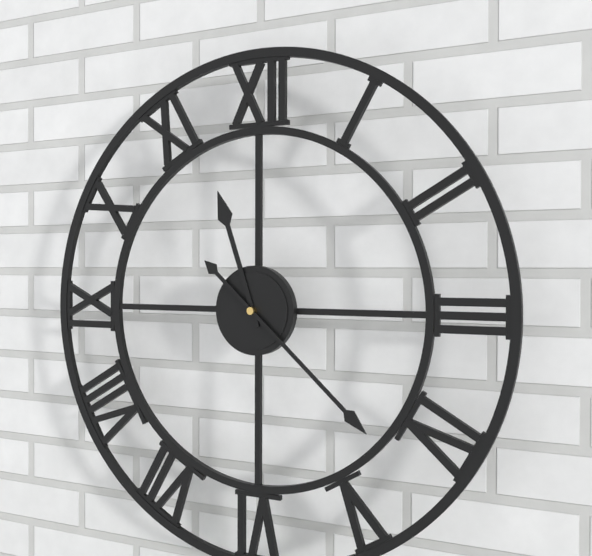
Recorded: {"hour": 11, "minute": 22}
